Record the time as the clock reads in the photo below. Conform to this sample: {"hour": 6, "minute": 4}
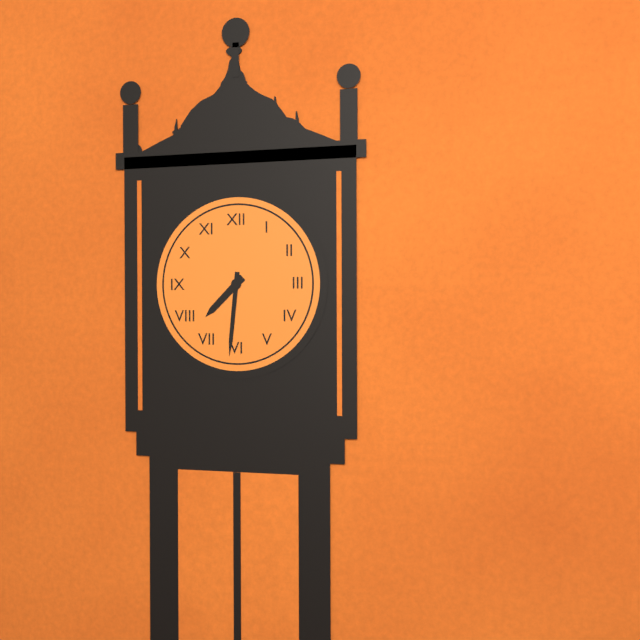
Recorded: {"hour": 7, "minute": 31}
